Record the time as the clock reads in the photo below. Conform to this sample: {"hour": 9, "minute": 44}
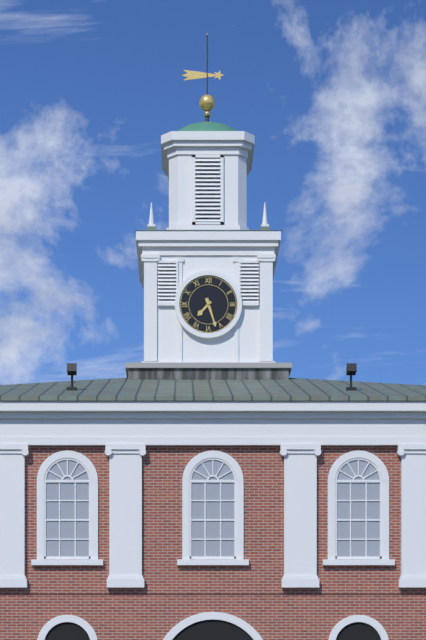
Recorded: {"hour": 7, "minute": 27}
